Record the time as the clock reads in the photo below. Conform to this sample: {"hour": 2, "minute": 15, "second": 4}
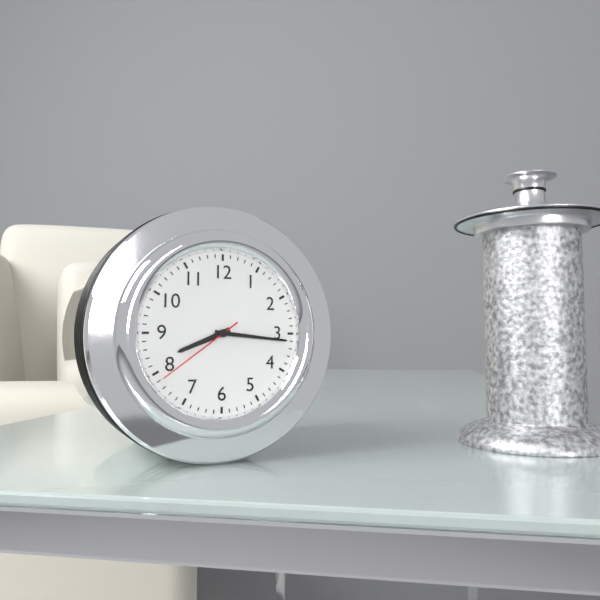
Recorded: {"hour": 8, "minute": 16, "second": 39}
